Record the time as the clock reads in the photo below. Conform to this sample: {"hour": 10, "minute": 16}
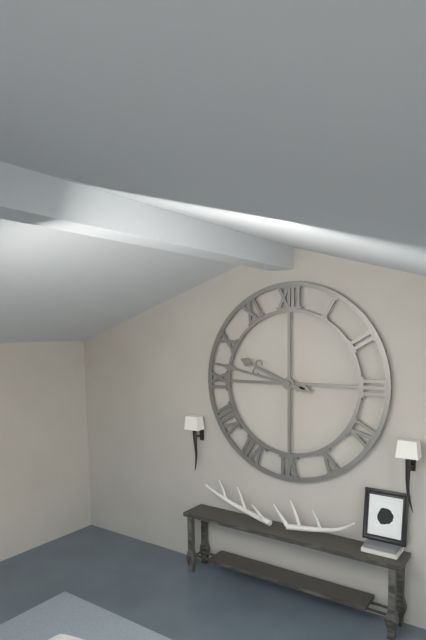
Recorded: {"hour": 9, "minute": 47}
